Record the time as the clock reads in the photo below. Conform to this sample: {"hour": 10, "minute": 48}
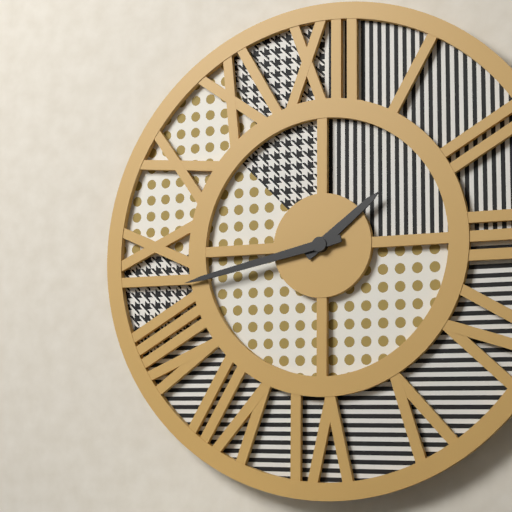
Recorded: {"hour": 1, "minute": 43}
